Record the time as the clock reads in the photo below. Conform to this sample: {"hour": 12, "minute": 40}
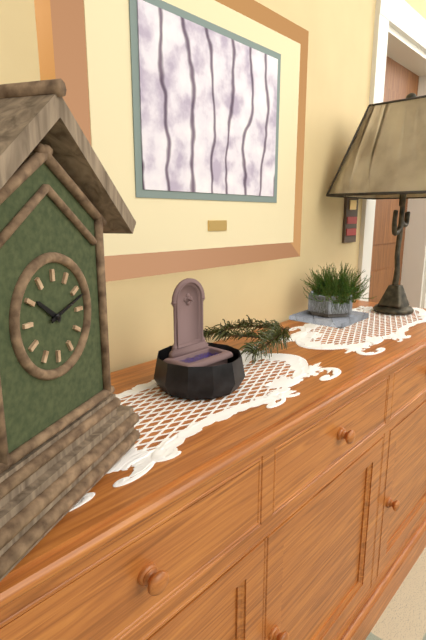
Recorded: {"hour": 10, "minute": 12}
